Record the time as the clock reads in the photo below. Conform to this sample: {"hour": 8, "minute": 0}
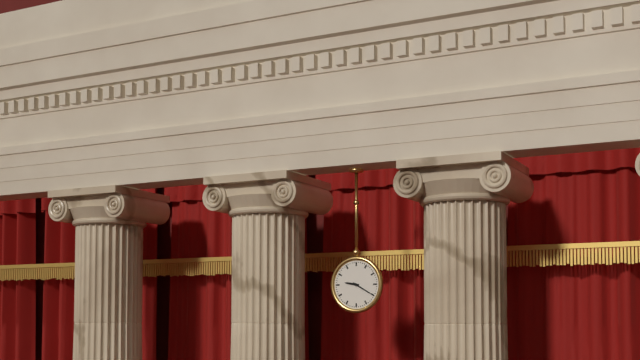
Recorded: {"hour": 9, "minute": 20}
